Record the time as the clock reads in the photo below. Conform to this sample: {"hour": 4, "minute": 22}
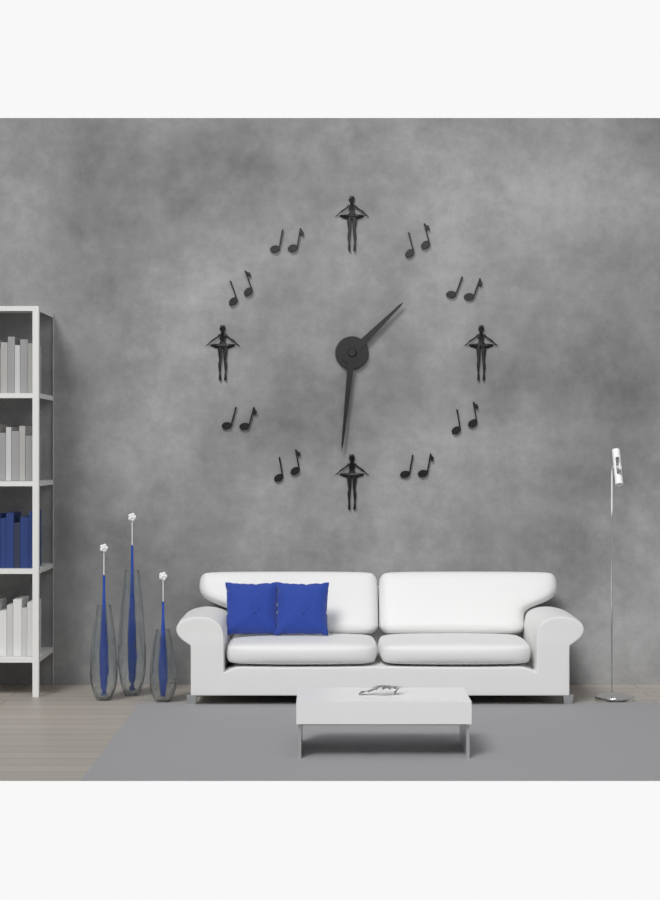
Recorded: {"hour": 1, "minute": 31}
